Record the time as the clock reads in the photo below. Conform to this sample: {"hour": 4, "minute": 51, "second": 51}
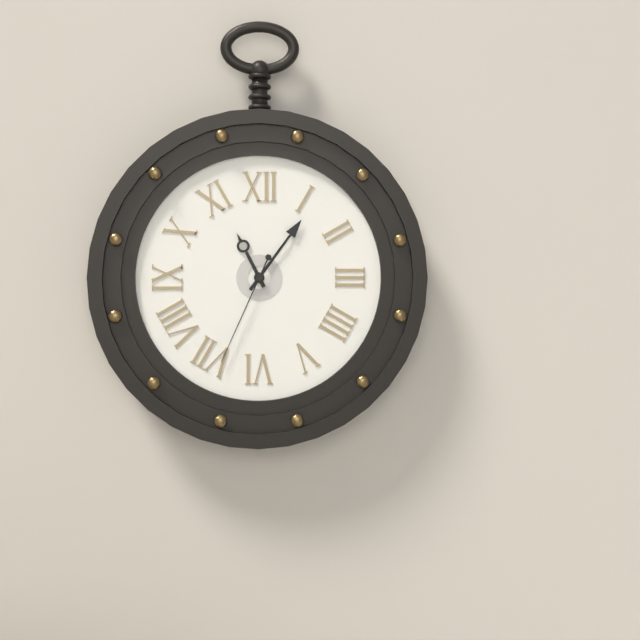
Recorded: {"hour": 11, "minute": 6, "second": 34}
